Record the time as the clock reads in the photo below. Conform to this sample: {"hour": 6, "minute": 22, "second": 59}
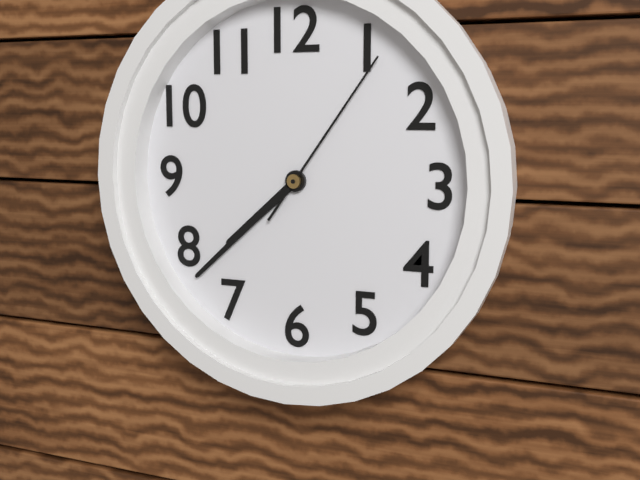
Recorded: {"hour": 7, "minute": 38, "second": 6}
